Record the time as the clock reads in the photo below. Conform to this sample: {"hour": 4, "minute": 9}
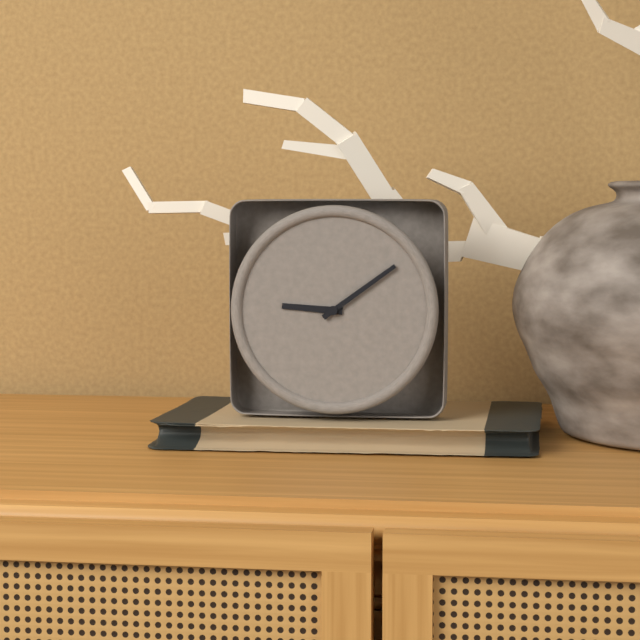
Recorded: {"hour": 9, "minute": 9}
